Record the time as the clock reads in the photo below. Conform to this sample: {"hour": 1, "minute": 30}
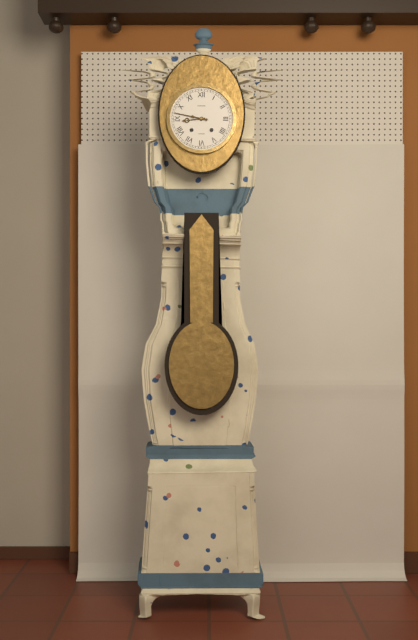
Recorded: {"hour": 8, "minute": 47}
